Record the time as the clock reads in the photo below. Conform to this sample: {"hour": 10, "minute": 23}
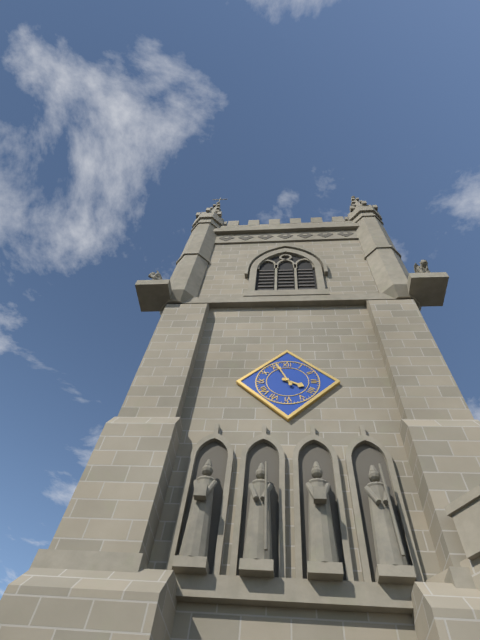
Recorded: {"hour": 3, "minute": 56}
